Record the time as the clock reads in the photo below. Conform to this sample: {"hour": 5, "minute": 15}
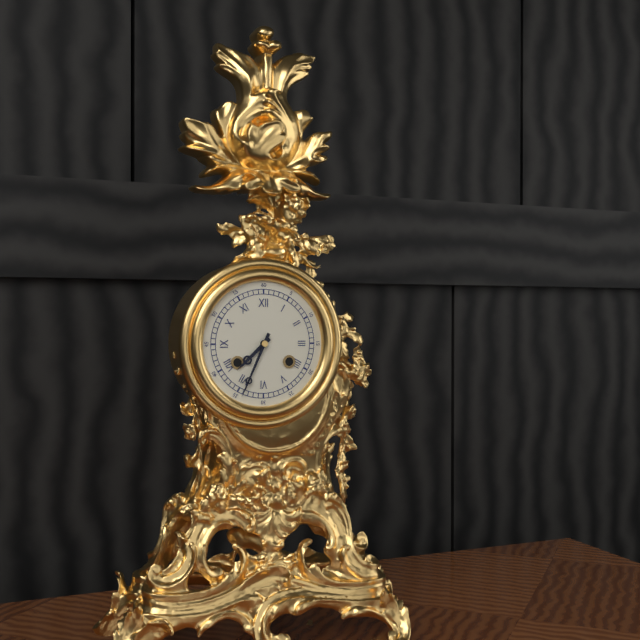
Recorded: {"hour": 7, "minute": 34}
